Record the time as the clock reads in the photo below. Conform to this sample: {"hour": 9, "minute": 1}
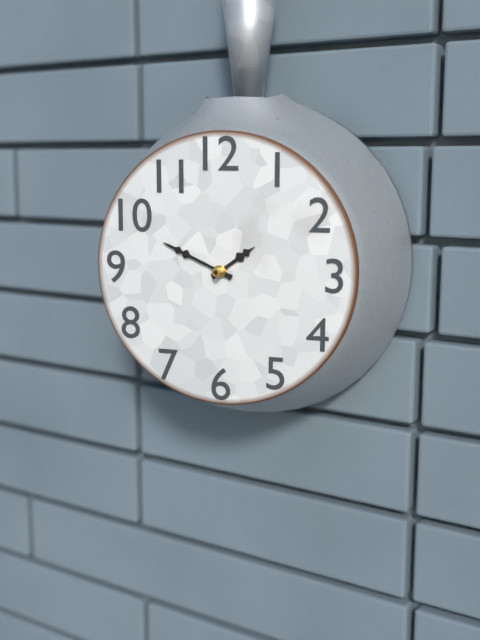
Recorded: {"hour": 1, "minute": 49}
